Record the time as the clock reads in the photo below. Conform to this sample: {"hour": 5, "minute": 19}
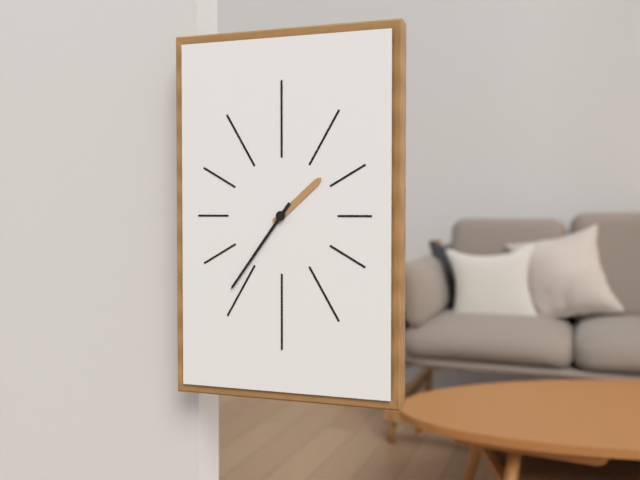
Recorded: {"hour": 1, "minute": 36}
